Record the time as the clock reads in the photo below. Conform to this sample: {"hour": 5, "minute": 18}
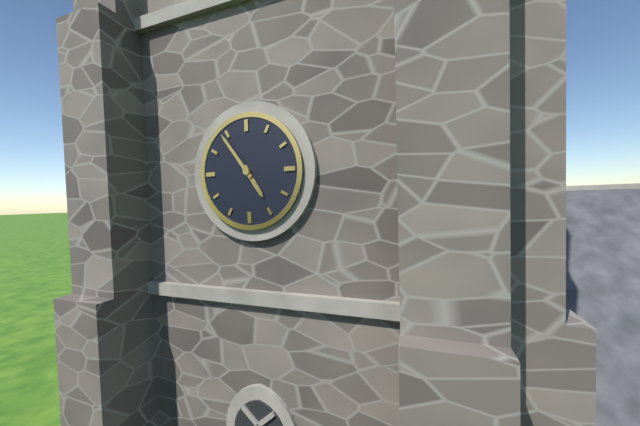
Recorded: {"hour": 4, "minute": 54}
